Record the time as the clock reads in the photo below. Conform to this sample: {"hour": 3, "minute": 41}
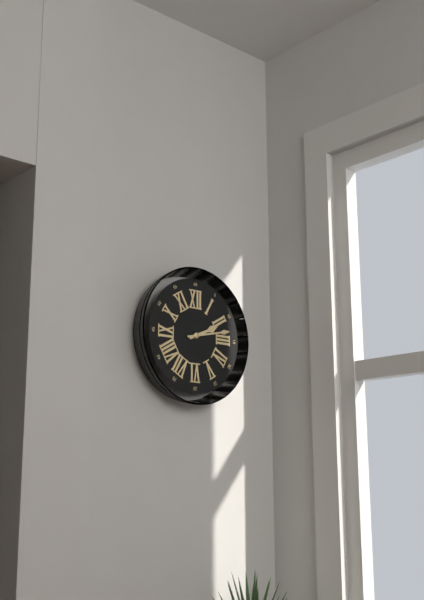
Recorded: {"hour": 2, "minute": 13}
